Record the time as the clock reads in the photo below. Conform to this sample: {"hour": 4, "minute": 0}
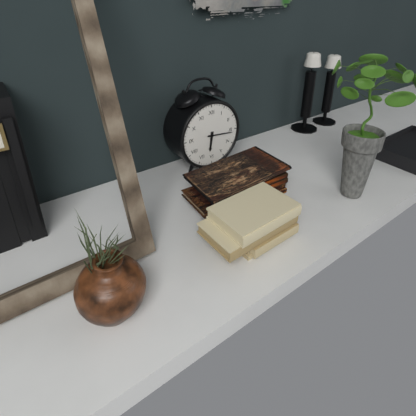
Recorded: {"hour": 6, "minute": 16}
